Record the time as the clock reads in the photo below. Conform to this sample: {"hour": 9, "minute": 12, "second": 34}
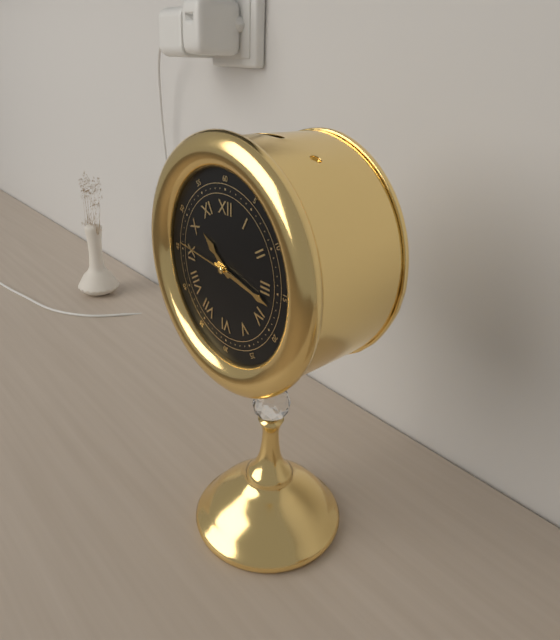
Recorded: {"hour": 10, "minute": 17, "second": 46}
